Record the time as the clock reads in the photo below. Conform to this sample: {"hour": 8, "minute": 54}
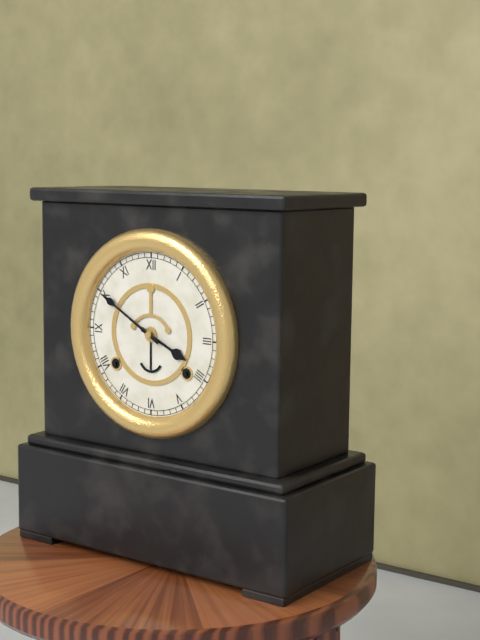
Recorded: {"hour": 3, "minute": 50}
